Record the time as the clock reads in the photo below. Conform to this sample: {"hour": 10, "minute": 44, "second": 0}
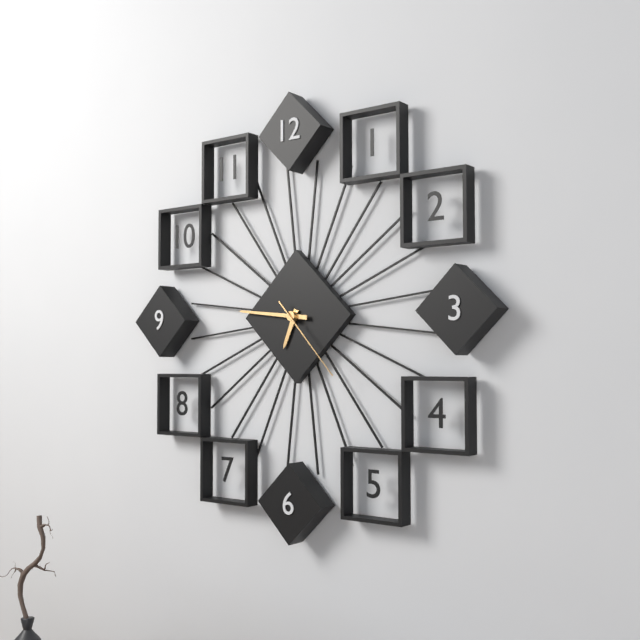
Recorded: {"hour": 6, "minute": 46, "second": 23}
